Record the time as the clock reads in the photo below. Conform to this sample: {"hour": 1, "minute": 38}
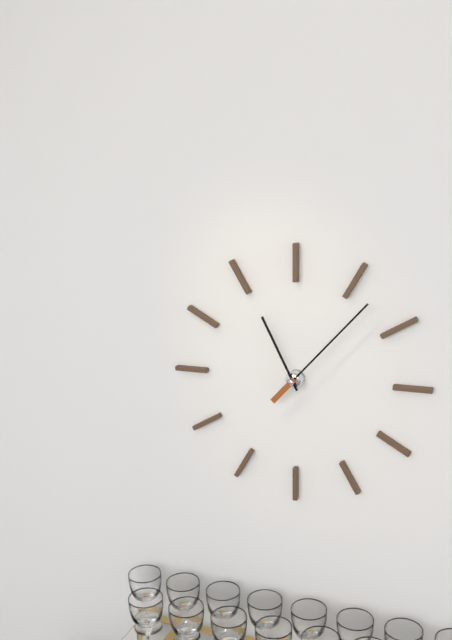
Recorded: {"hour": 11, "minute": 7}
